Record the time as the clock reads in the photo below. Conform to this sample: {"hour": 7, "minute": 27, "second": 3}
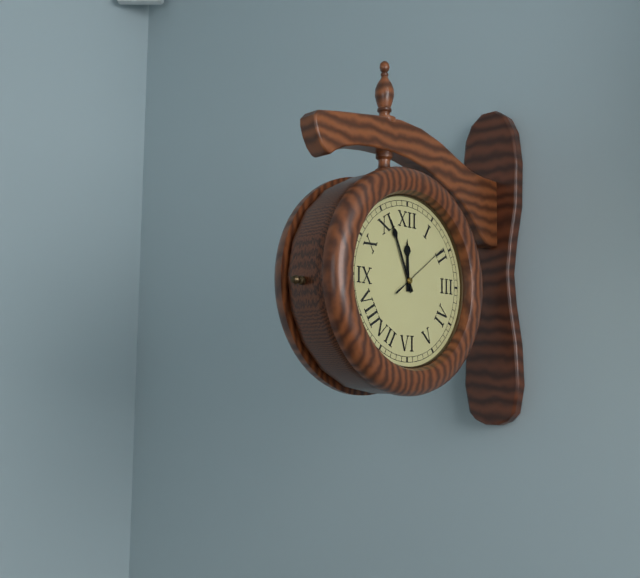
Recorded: {"hour": 11, "minute": 56, "second": 9}
